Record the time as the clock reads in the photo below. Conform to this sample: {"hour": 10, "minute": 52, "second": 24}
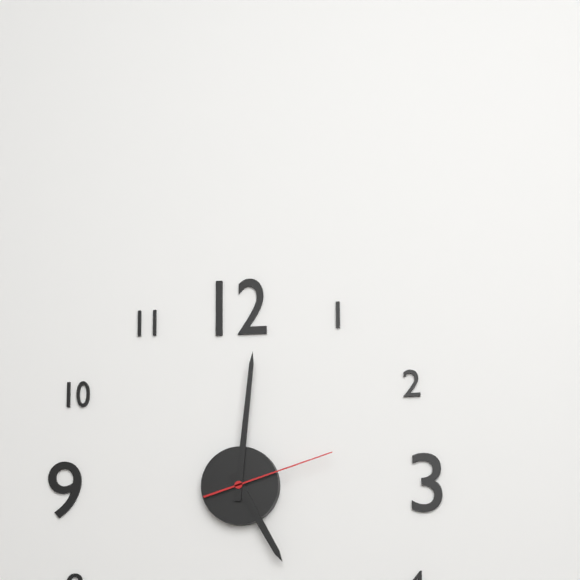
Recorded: {"hour": 5, "minute": 1, "second": 12}
